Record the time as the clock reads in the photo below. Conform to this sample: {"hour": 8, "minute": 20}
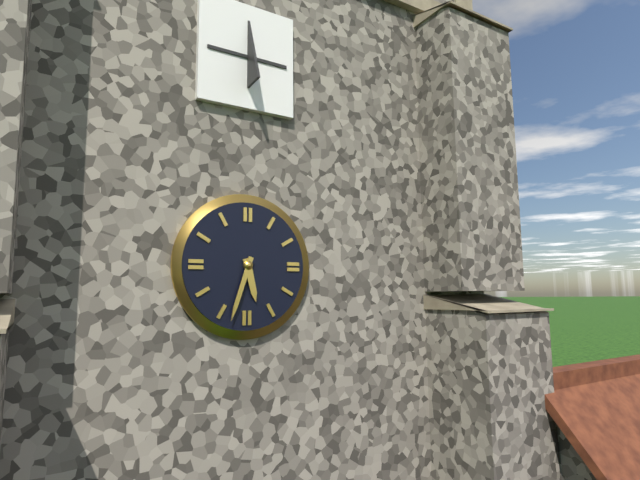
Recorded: {"hour": 5, "minute": 33}
